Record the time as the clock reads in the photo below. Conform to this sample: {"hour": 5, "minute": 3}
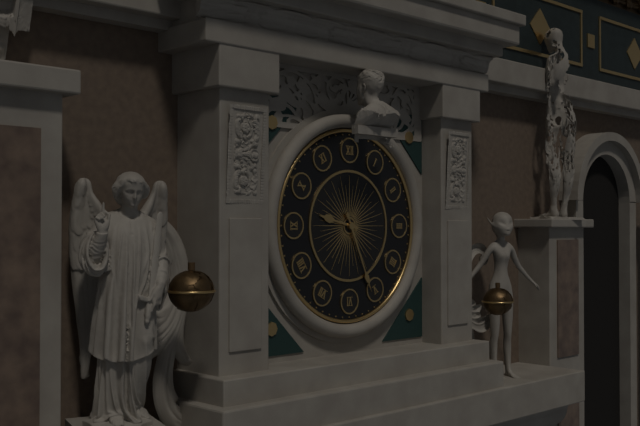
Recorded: {"hour": 9, "minute": 26}
